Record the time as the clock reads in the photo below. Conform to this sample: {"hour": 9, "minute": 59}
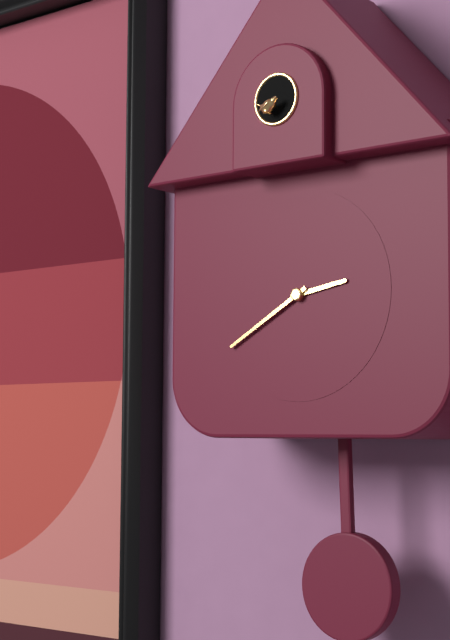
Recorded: {"hour": 2, "minute": 40}
